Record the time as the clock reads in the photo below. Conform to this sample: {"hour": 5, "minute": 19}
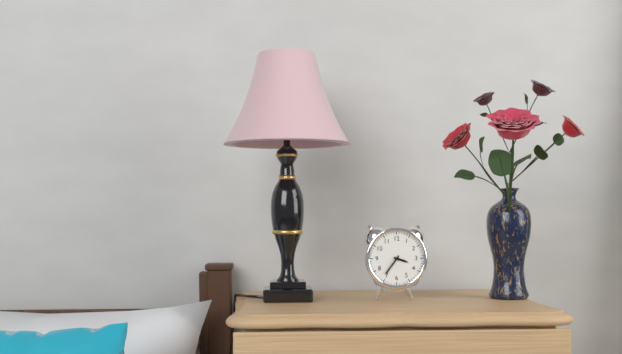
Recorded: {"hour": 3, "minute": 36}
